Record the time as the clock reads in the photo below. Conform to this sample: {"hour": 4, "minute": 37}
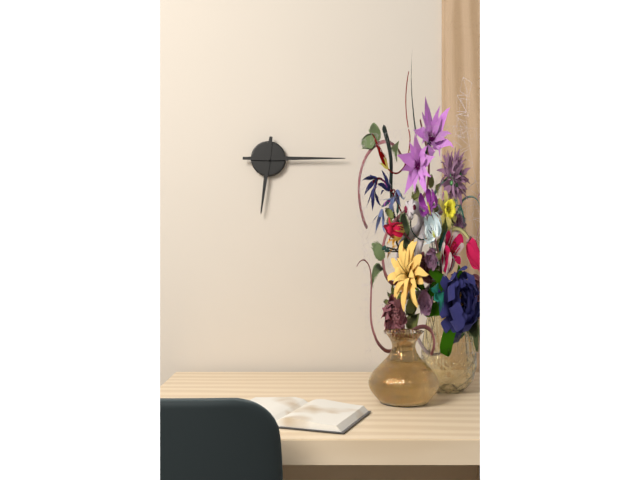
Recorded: {"hour": 6, "minute": 15}
